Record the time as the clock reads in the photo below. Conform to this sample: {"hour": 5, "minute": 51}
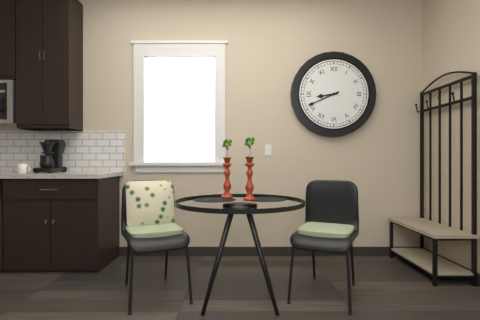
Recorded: {"hour": 8, "minute": 41}
